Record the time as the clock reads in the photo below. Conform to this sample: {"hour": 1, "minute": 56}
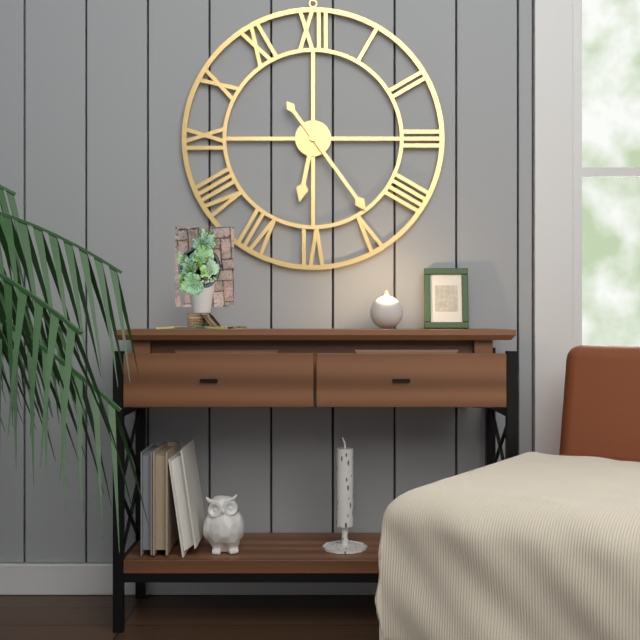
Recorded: {"hour": 6, "minute": 24}
